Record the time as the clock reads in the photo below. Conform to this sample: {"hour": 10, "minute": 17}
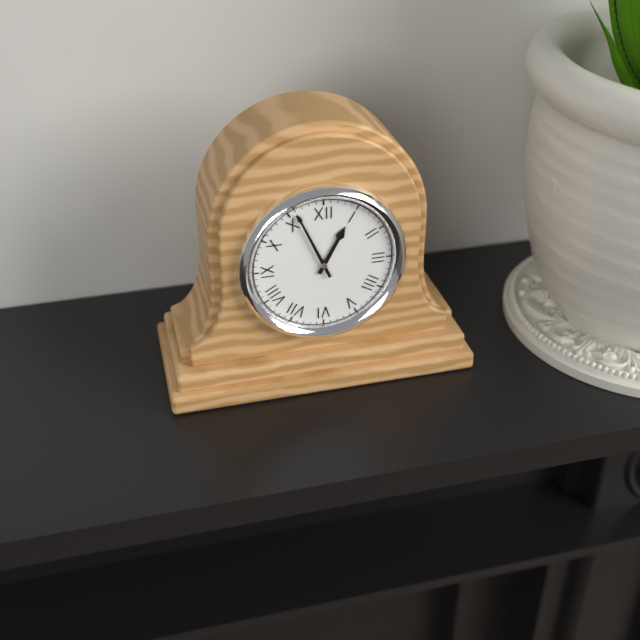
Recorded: {"hour": 12, "minute": 56}
